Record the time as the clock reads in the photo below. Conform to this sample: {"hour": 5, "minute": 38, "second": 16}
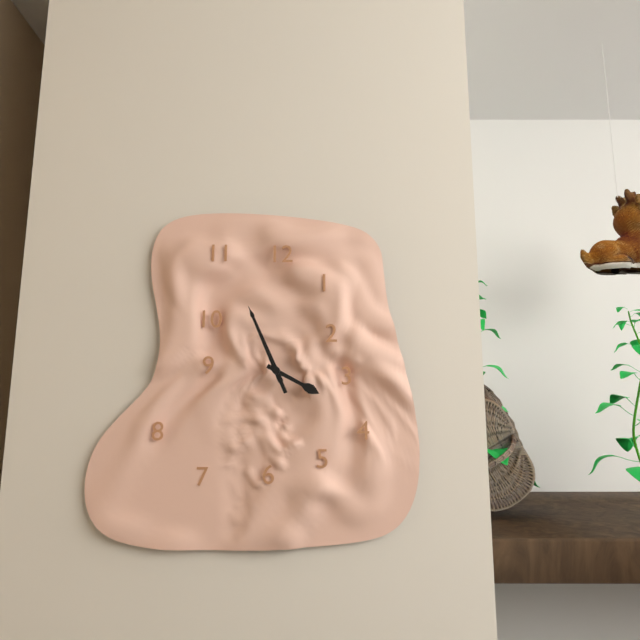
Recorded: {"hour": 3, "minute": 56, "second": 56}
